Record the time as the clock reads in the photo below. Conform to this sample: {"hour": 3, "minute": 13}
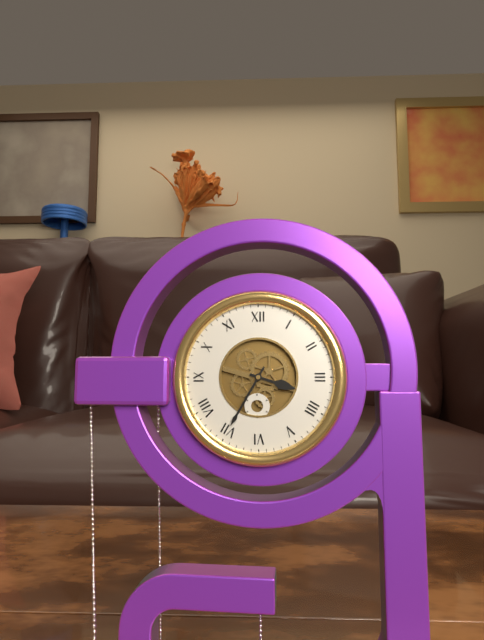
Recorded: {"hour": 3, "minute": 35}
